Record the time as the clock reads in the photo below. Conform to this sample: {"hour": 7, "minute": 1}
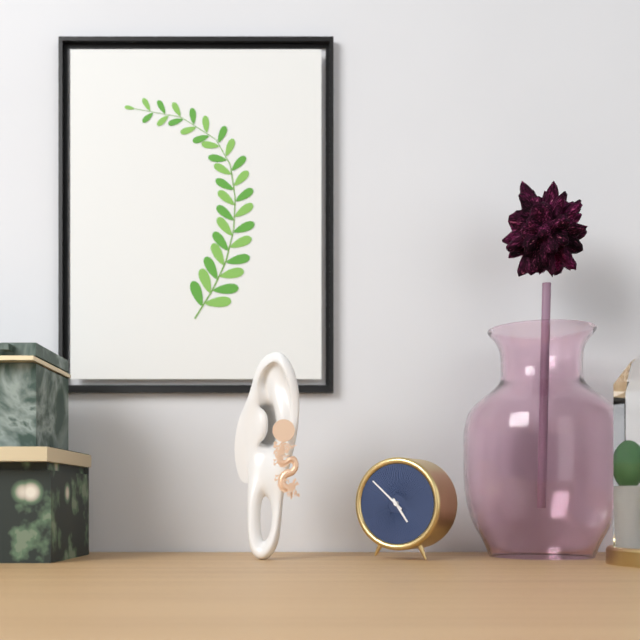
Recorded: {"hour": 4, "minute": 52}
